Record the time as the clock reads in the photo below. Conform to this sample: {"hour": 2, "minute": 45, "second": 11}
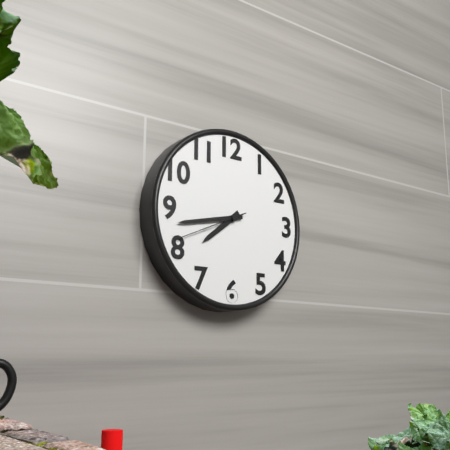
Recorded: {"hour": 7, "minute": 43, "second": 41}
